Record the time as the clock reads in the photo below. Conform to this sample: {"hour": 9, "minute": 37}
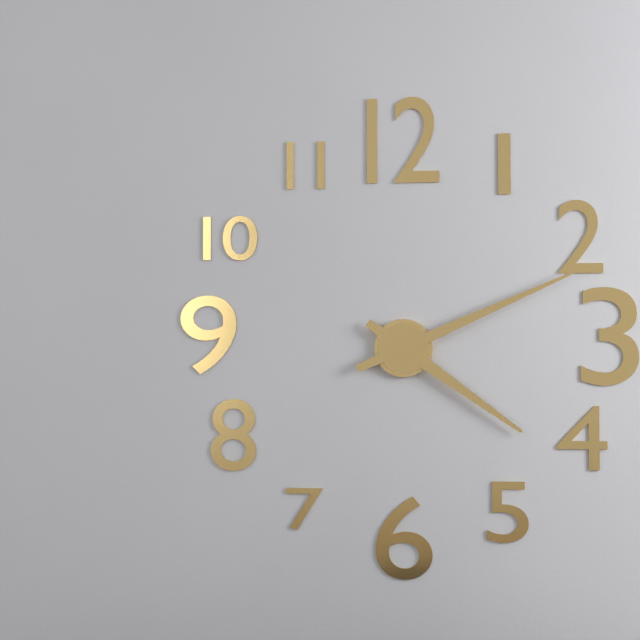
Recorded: {"hour": 4, "minute": 11}
